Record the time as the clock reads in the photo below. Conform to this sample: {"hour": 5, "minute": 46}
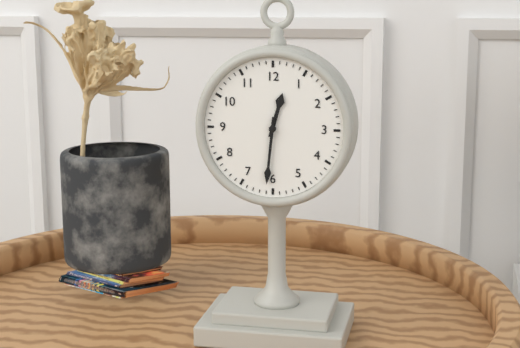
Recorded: {"hour": 12, "minute": 31}
